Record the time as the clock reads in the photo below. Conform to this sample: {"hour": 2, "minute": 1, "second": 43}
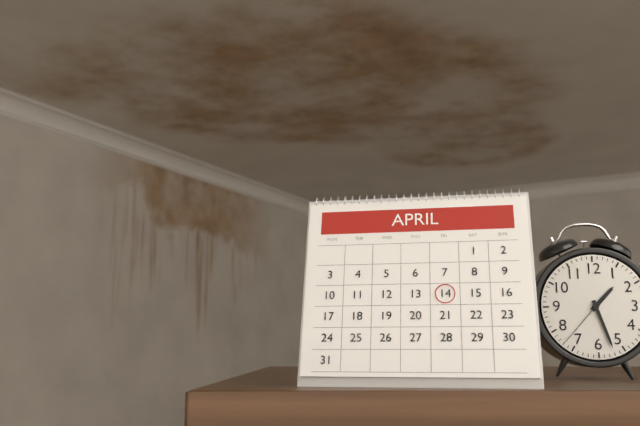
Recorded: {"hour": 1, "minute": 27, "second": 37}
